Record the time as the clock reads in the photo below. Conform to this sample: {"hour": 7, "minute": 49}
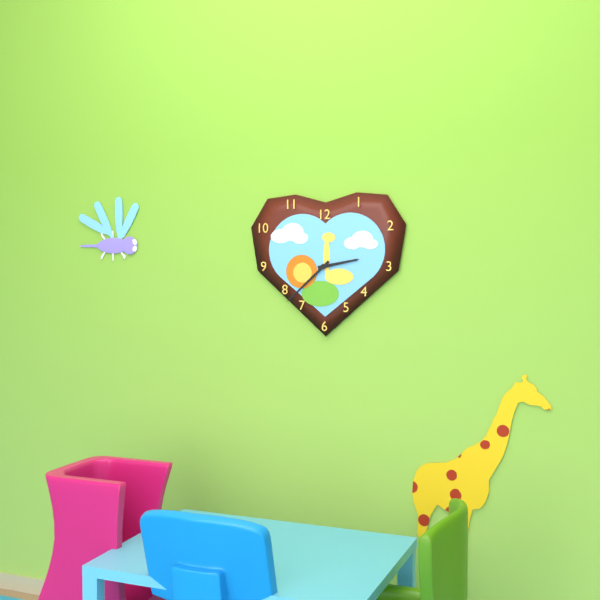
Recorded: {"hour": 2, "minute": 38}
